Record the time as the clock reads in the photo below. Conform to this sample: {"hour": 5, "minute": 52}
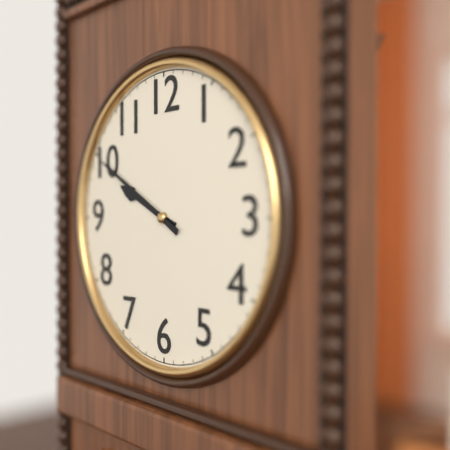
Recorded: {"hour": 9, "minute": 50}
